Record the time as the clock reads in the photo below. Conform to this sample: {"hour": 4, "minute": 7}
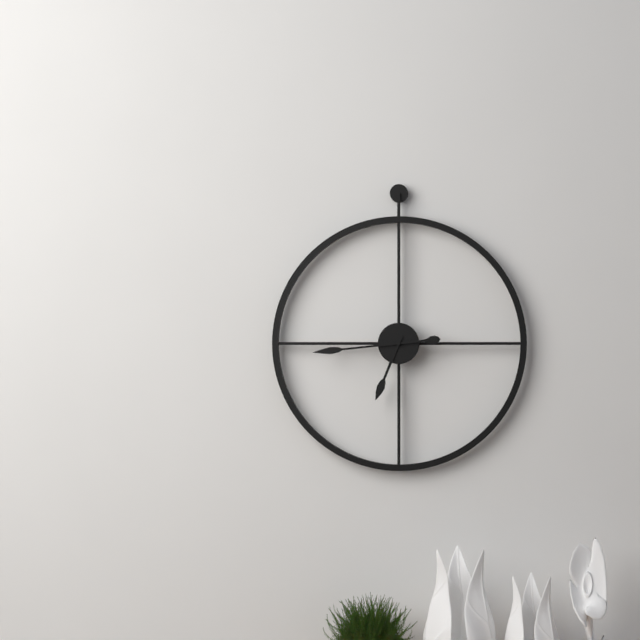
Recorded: {"hour": 6, "minute": 44}
